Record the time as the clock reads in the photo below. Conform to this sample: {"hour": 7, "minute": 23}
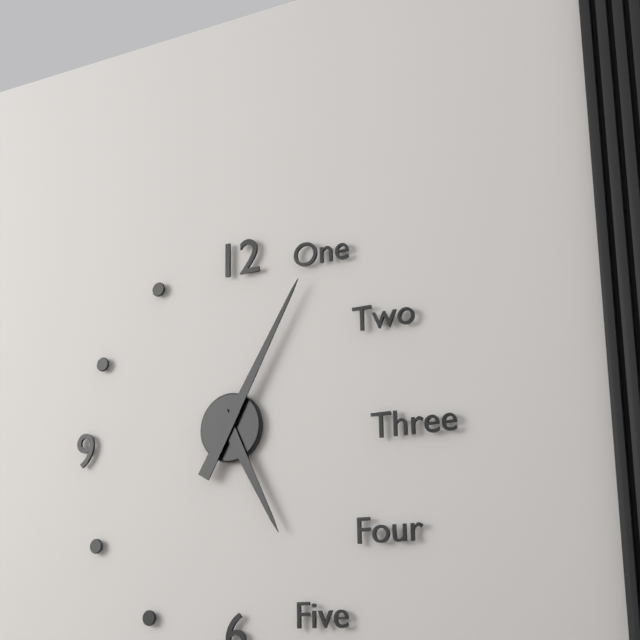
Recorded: {"hour": 5, "minute": 5}
